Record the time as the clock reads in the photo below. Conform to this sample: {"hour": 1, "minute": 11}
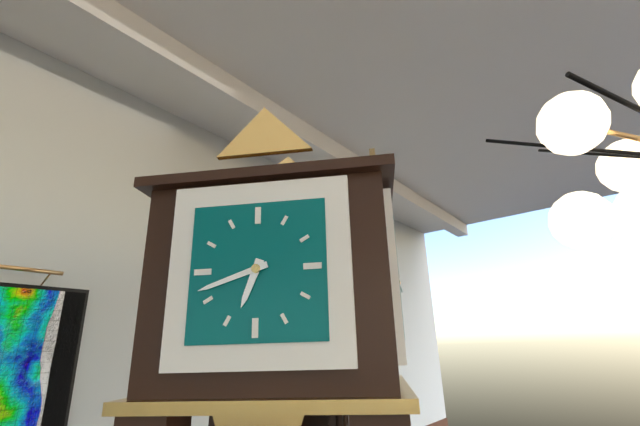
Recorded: {"hour": 6, "minute": 42}
